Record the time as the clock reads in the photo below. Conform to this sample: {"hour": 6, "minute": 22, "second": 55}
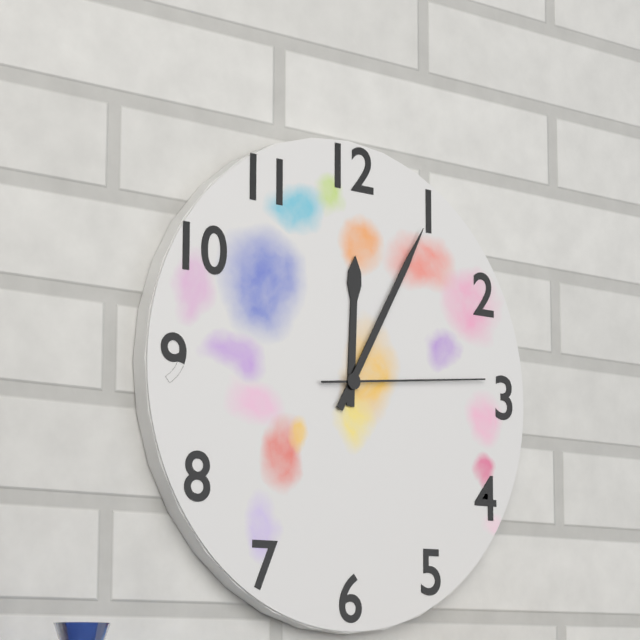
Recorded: {"hour": 12, "minute": 5, "second": 14}
